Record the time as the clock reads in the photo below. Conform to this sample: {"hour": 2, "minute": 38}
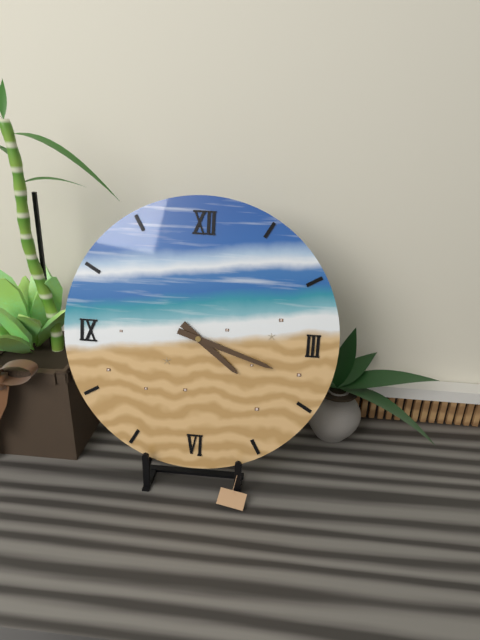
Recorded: {"hour": 4, "minute": 18}
